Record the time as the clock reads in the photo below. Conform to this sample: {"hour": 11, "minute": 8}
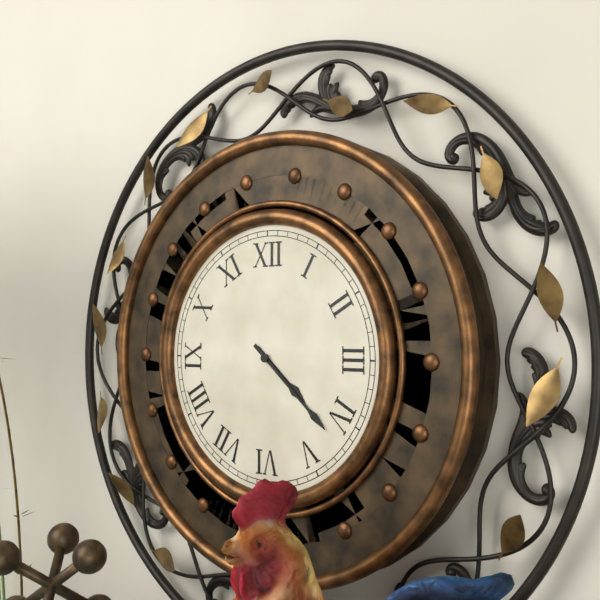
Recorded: {"hour": 4, "minute": 22}
